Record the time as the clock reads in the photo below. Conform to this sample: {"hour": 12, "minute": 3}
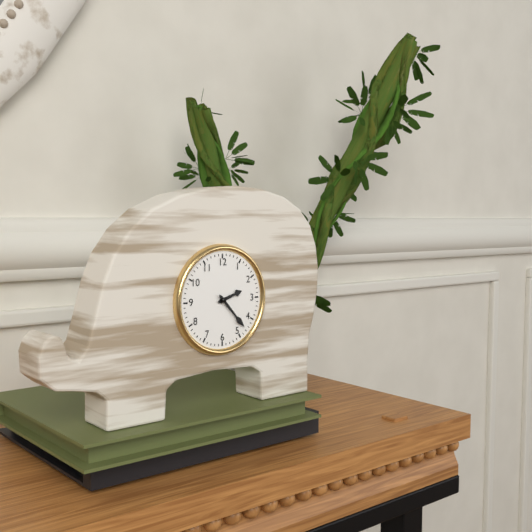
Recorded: {"hour": 2, "minute": 23}
